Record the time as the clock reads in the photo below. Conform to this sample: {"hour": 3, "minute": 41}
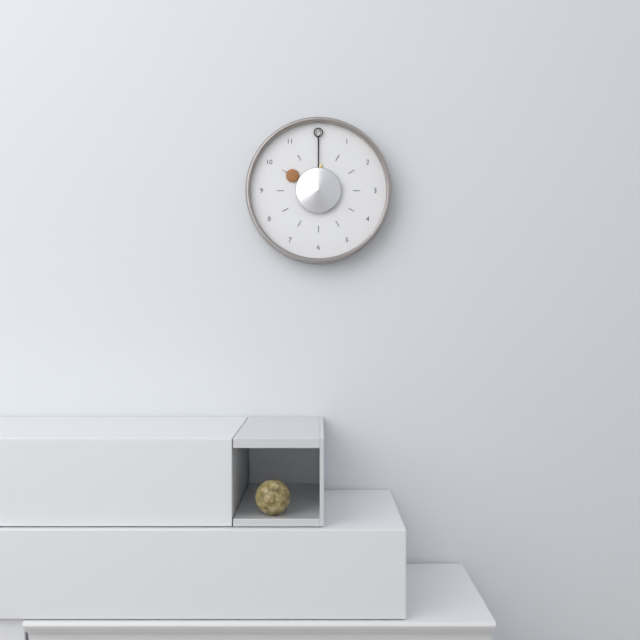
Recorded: {"hour": 10, "minute": 0}
